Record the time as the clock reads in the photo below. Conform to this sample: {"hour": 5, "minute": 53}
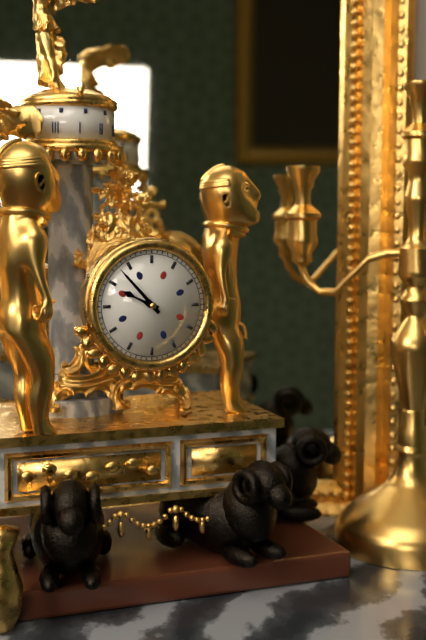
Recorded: {"hour": 9, "minute": 53}
